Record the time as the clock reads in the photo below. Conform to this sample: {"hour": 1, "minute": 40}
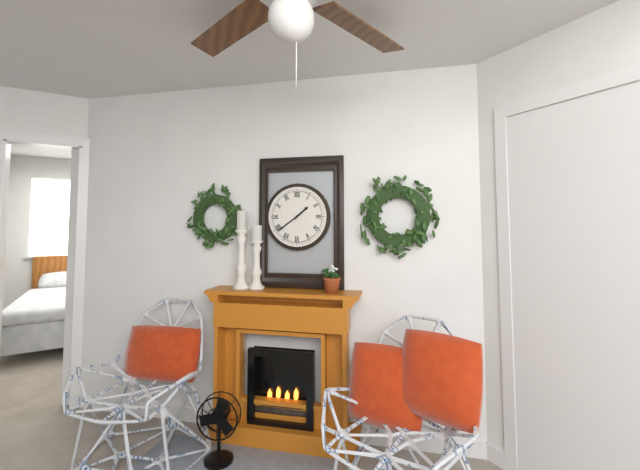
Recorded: {"hour": 1, "minute": 39}
